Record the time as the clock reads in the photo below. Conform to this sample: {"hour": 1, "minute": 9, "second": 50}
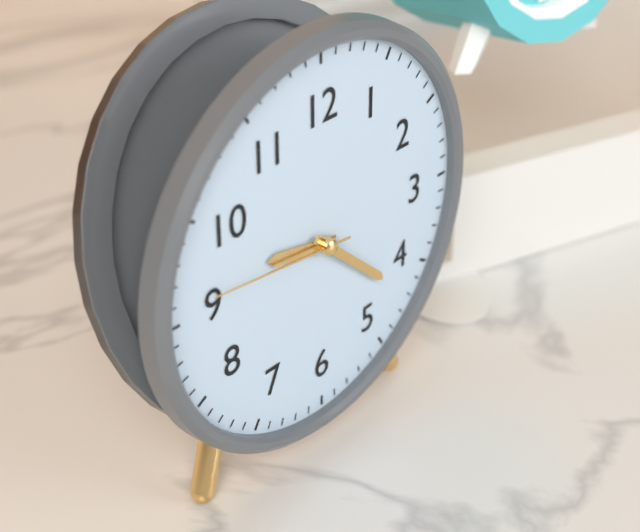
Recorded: {"hour": 9, "minute": 22, "second": 46}
